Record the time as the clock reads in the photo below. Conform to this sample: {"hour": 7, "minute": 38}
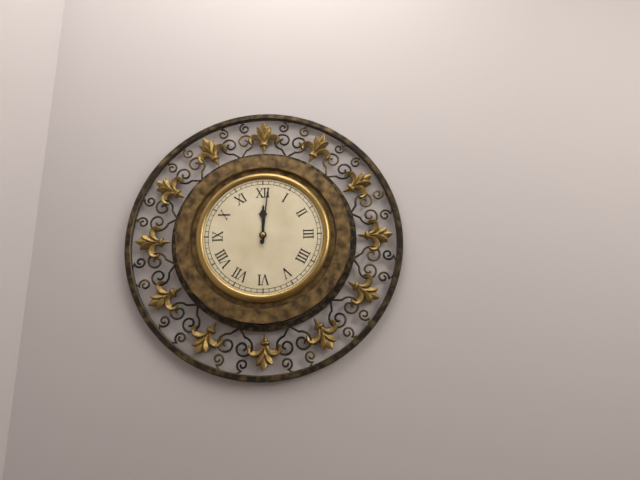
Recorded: {"hour": 12, "minute": 1}
